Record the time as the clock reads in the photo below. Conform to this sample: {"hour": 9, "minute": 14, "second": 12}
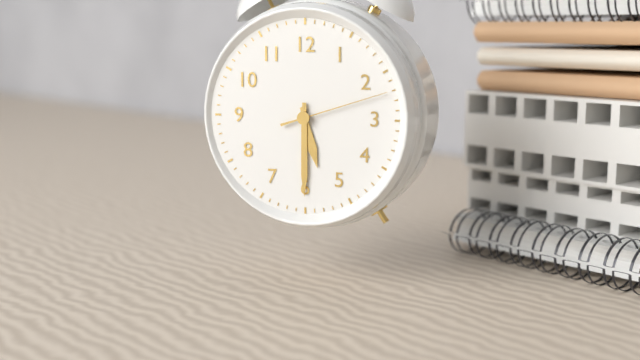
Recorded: {"hour": 5, "minute": 30, "second": 12}
